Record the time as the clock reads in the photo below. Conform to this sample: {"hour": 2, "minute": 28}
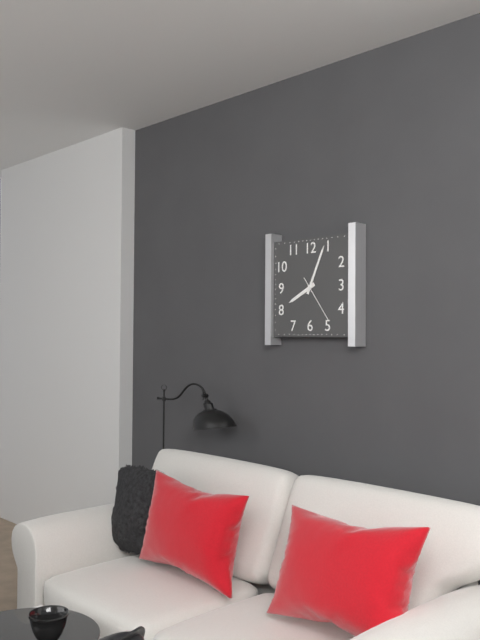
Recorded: {"hour": 8, "minute": 4}
